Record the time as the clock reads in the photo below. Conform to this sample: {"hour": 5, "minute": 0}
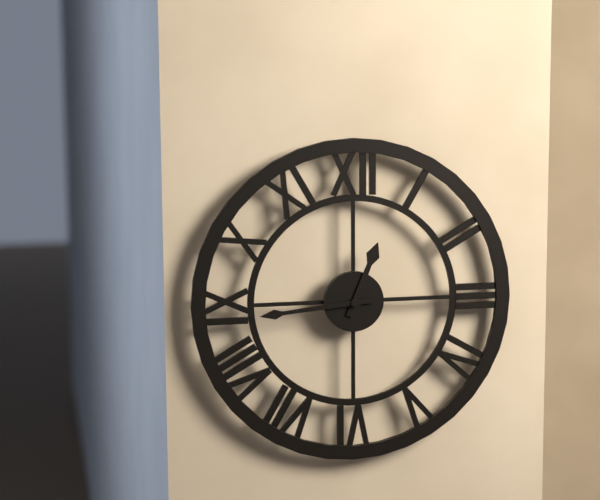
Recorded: {"hour": 12, "minute": 44}
